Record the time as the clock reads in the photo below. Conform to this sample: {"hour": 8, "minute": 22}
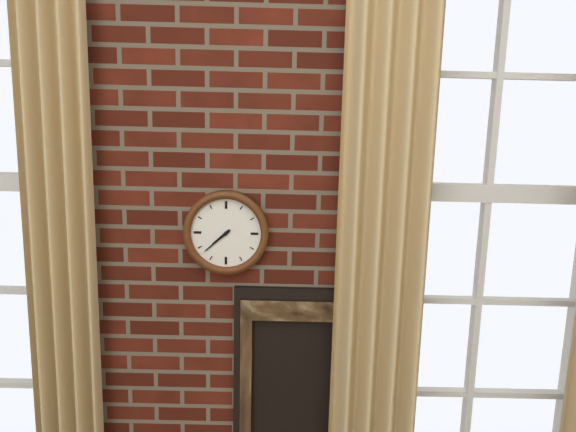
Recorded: {"hour": 7, "minute": 38}
